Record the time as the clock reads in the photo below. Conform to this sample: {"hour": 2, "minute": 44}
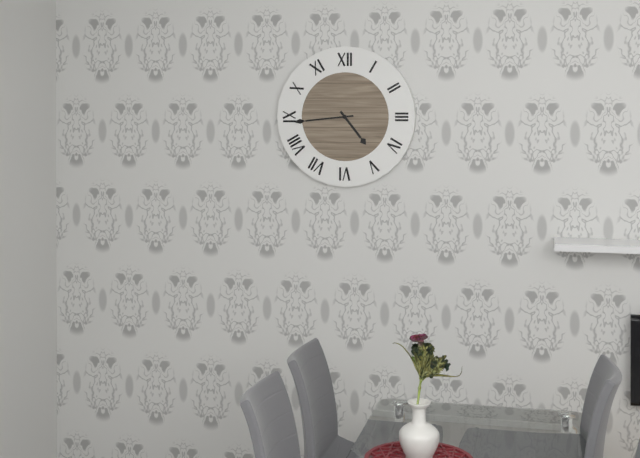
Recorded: {"hour": 4, "minute": 44}
